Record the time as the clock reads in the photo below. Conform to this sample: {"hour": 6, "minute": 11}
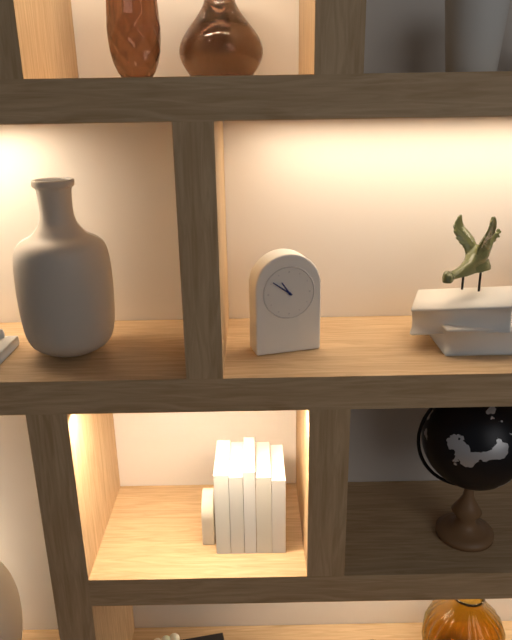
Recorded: {"hour": 10, "minute": 51}
